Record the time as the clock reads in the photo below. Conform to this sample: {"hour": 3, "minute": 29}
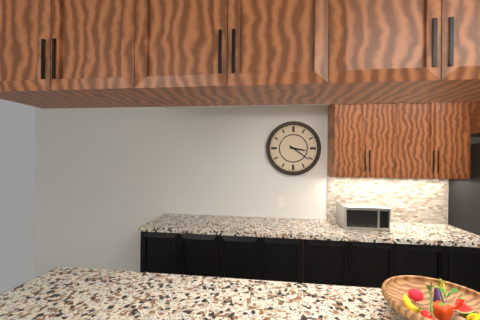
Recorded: {"hour": 3, "minute": 21}
